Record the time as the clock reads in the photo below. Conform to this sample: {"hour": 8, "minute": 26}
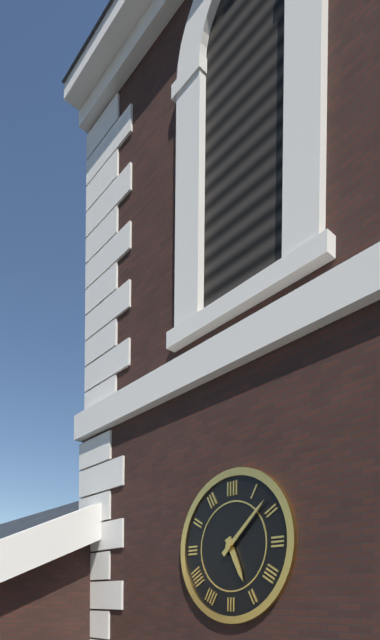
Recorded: {"hour": 5, "minute": 8}
